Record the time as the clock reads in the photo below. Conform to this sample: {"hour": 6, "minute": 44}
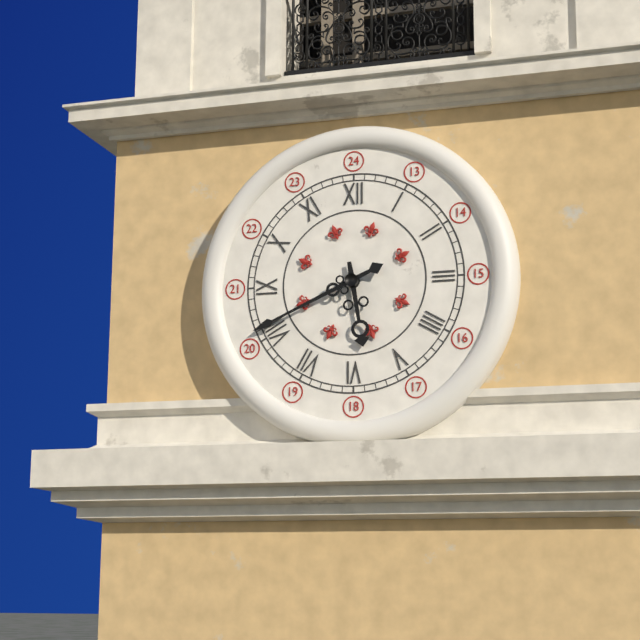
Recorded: {"hour": 5, "minute": 41}
